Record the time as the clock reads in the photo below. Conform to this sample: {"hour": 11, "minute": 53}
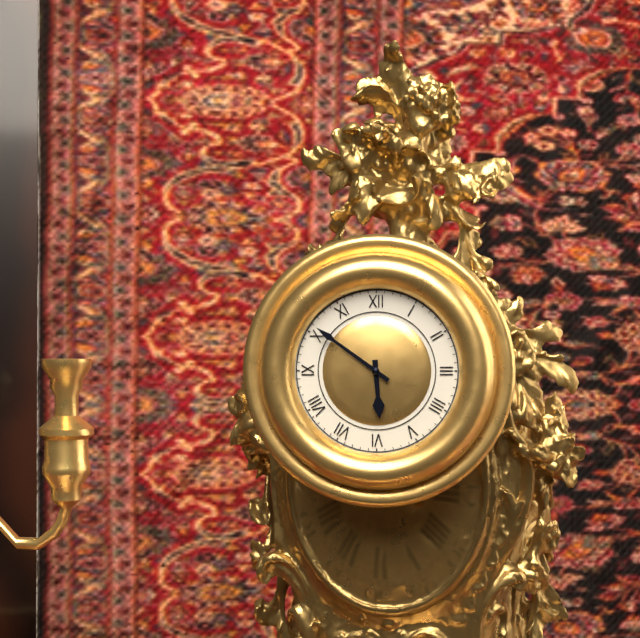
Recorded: {"hour": 5, "minute": 51}
